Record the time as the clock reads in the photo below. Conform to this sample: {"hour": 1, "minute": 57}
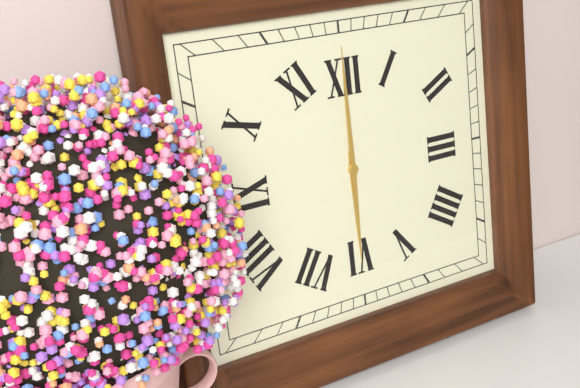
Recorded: {"hour": 6, "minute": 0}
